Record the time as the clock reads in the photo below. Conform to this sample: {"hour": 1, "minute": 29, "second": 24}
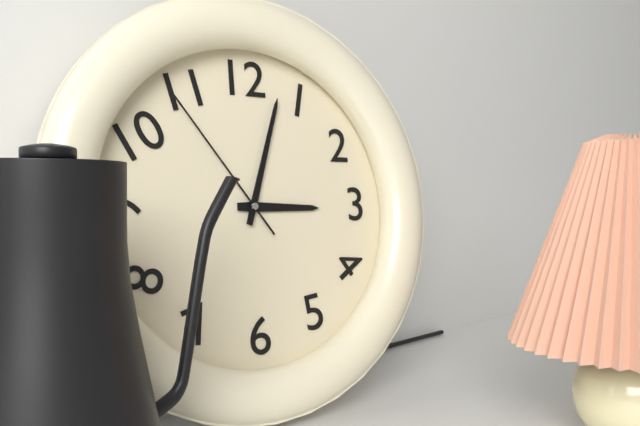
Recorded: {"hour": 3, "minute": 3, "second": 54}
